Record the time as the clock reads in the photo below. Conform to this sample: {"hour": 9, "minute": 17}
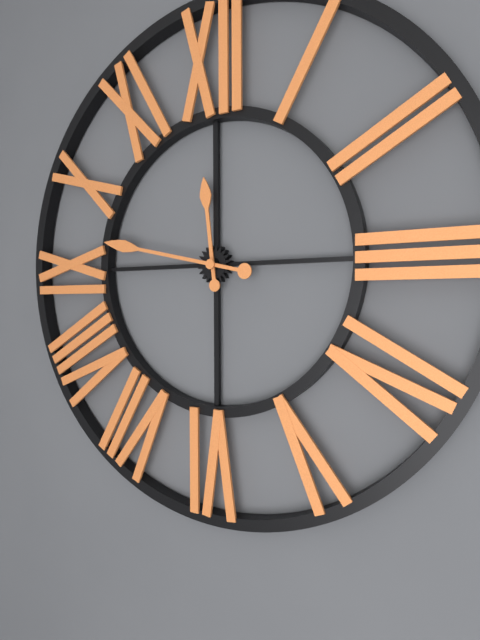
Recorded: {"hour": 11, "minute": 47}
